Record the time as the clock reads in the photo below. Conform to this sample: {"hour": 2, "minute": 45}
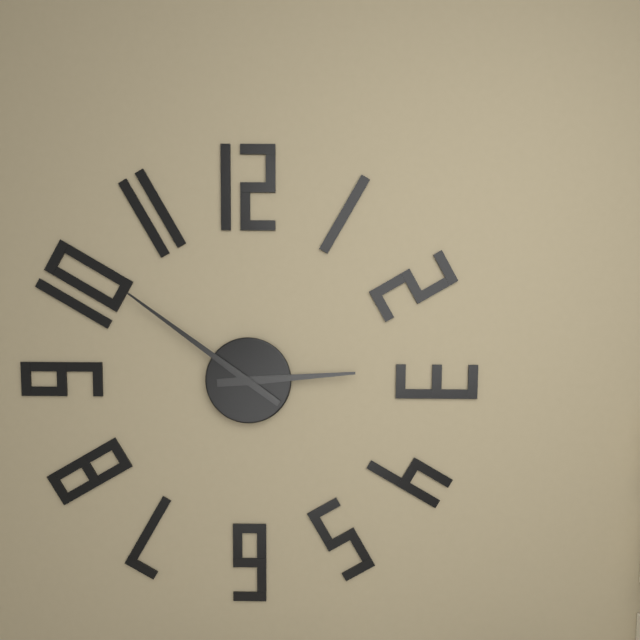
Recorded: {"hour": 2, "minute": 51}
